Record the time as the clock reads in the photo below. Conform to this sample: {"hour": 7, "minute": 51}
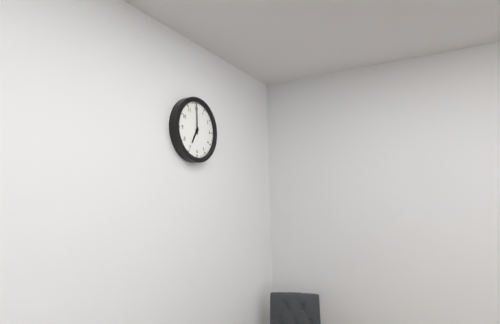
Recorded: {"hour": 7, "minute": 0}
